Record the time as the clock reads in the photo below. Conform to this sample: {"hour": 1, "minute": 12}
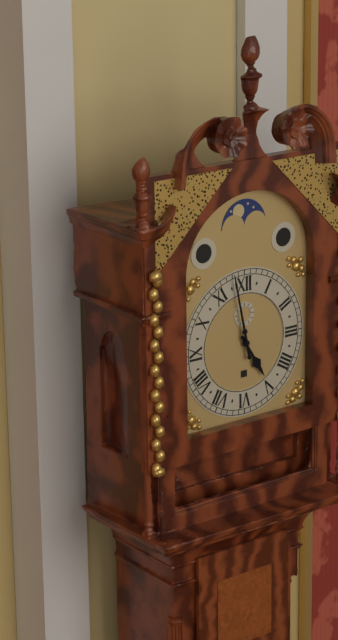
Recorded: {"hour": 4, "minute": 58}
